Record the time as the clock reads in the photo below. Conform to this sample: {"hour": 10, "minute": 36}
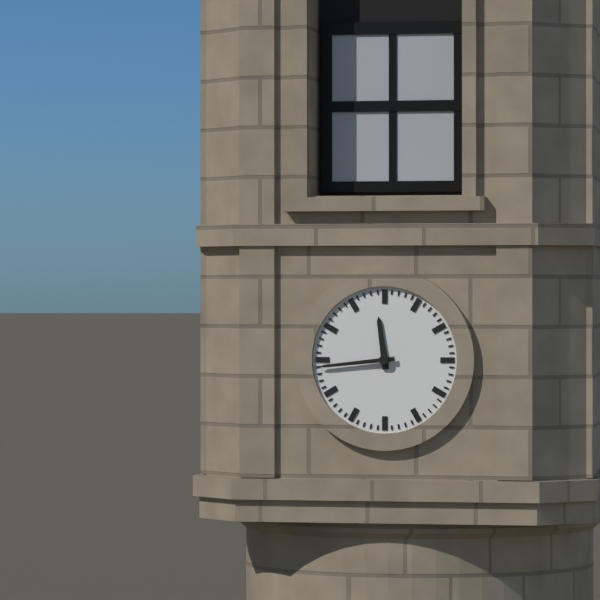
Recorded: {"hour": 11, "minute": 44}
